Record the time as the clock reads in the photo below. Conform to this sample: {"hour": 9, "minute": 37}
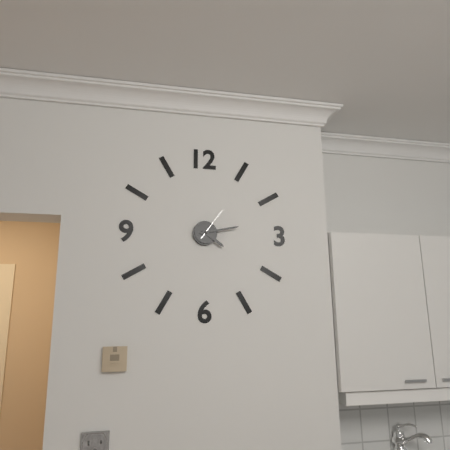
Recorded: {"hour": 4, "minute": 13}
